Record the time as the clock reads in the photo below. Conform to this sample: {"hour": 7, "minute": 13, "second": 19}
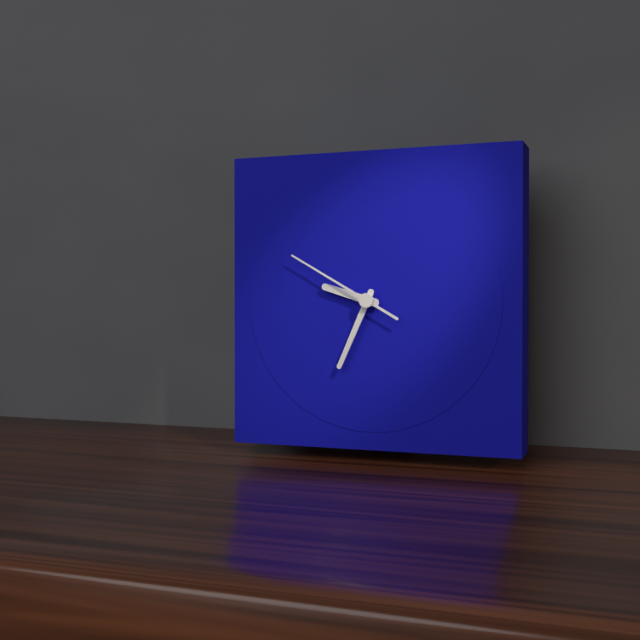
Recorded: {"hour": 9, "minute": 34, "second": 50}
